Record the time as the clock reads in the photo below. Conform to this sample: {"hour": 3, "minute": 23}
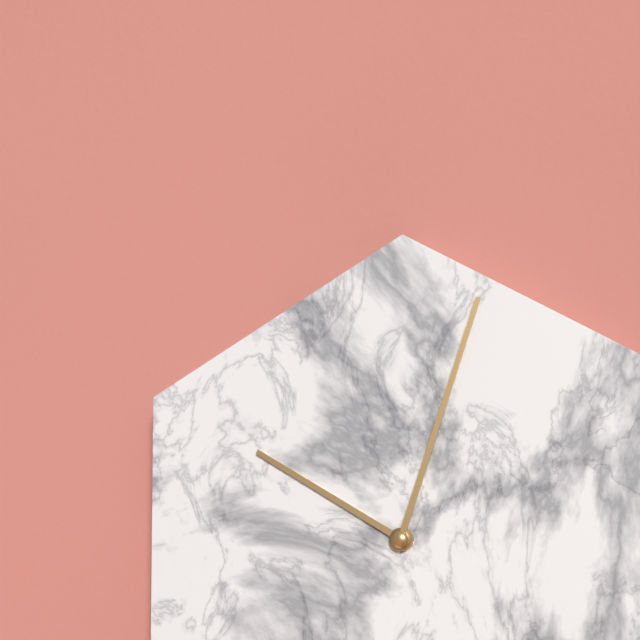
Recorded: {"hour": 10, "minute": 3}
